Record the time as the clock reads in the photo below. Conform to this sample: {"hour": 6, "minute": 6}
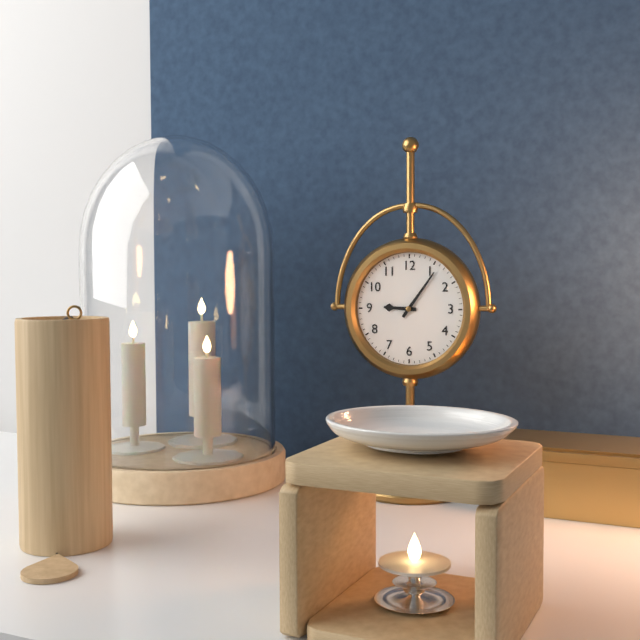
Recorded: {"hour": 9, "minute": 6}
